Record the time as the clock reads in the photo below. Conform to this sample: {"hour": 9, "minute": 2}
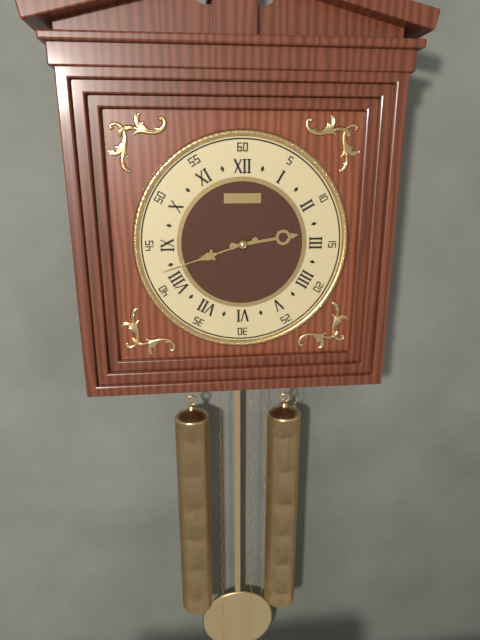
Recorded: {"hour": 2, "minute": 42}
